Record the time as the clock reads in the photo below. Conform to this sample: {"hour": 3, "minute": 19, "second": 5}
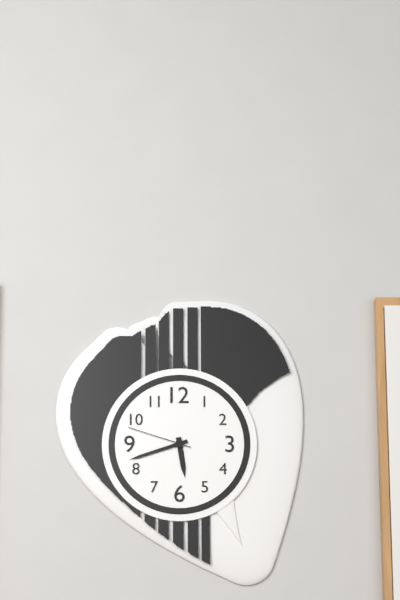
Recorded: {"hour": 5, "minute": 42, "second": 48}
